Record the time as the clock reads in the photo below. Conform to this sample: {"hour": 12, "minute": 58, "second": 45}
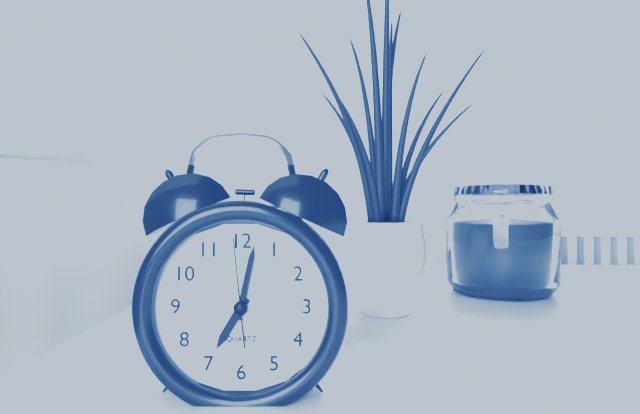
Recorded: {"hour": 7, "minute": 2, "second": 59}
